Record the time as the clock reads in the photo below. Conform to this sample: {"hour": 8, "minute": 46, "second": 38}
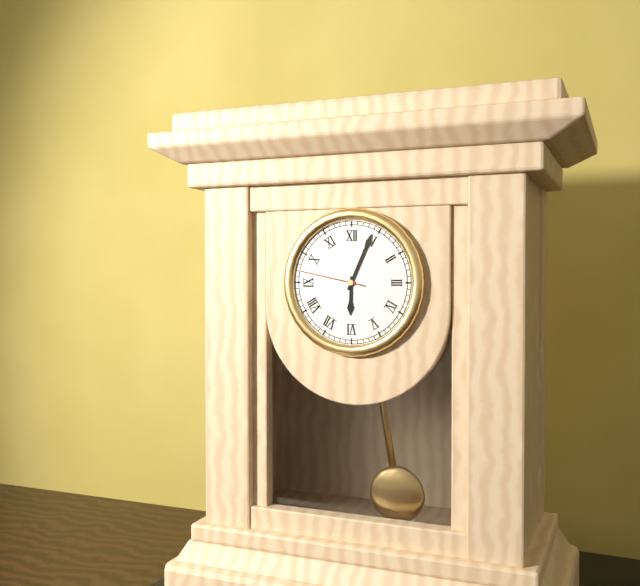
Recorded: {"hour": 6, "minute": 4, "second": 47}
